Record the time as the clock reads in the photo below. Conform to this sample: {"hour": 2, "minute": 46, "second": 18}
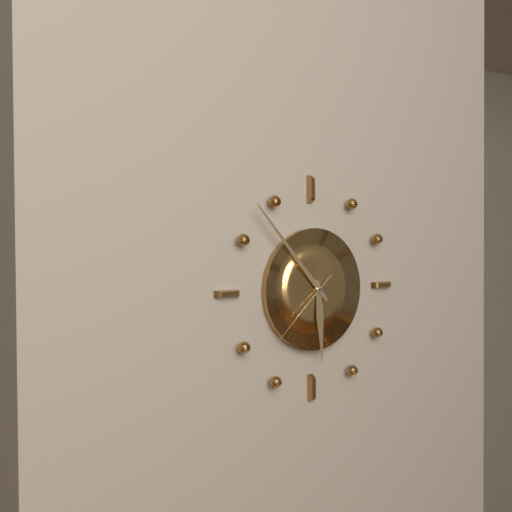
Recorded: {"hour": 5, "minute": 53, "second": 38}
